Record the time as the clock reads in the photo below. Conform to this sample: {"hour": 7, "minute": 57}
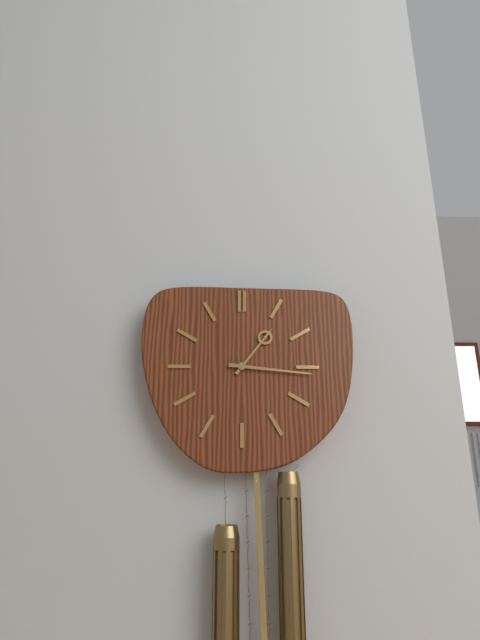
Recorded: {"hour": 1, "minute": 16}
